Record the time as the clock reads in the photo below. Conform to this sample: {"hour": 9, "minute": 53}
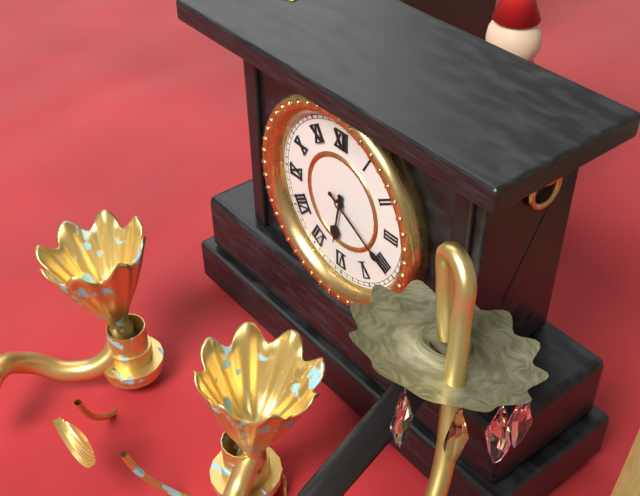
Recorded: {"hour": 6, "minute": 20}
